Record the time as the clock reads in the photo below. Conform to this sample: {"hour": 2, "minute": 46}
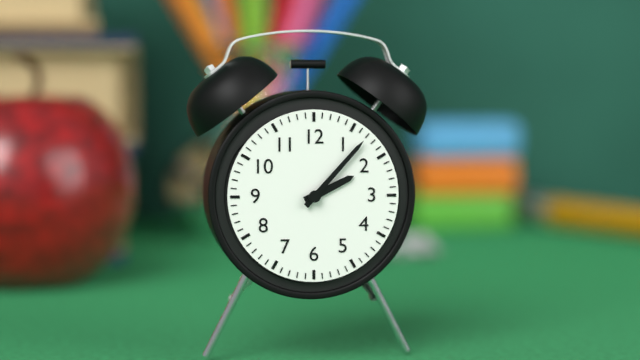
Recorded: {"hour": 2, "minute": 7}
